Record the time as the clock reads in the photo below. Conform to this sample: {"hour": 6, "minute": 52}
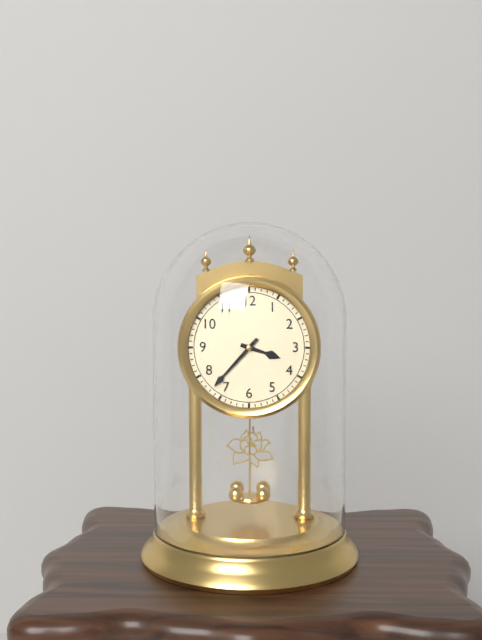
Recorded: {"hour": 3, "minute": 37}
